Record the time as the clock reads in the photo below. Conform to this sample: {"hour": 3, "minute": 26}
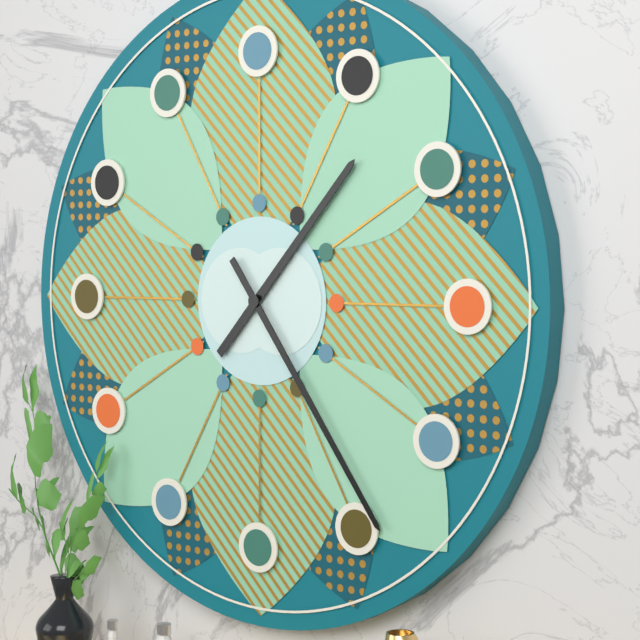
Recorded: {"hour": 1, "minute": 24}
